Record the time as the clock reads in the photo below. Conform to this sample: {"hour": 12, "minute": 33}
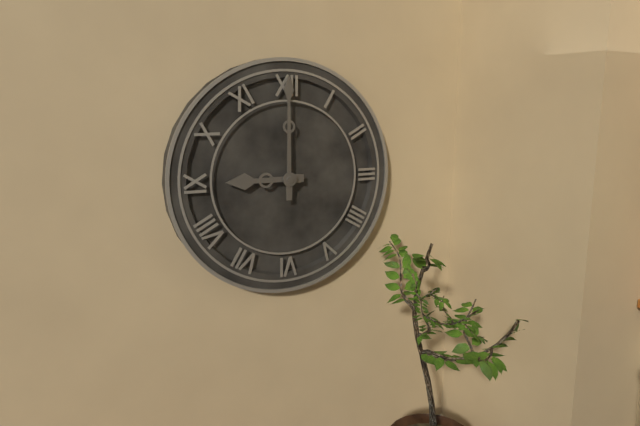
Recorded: {"hour": 9, "minute": 0}
